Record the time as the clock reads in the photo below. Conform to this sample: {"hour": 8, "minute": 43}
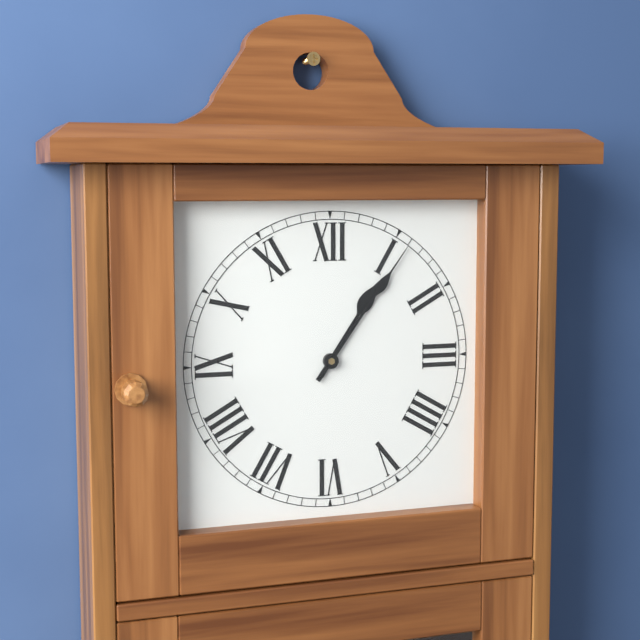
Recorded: {"hour": 1, "minute": 6}
